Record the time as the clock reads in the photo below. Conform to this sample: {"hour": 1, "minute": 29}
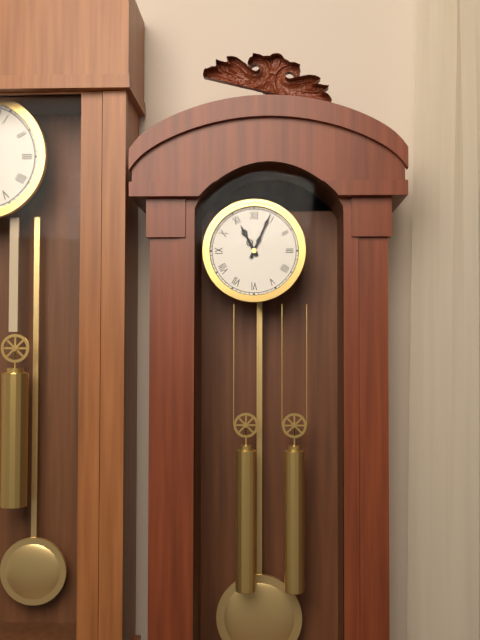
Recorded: {"hour": 11, "minute": 4}
